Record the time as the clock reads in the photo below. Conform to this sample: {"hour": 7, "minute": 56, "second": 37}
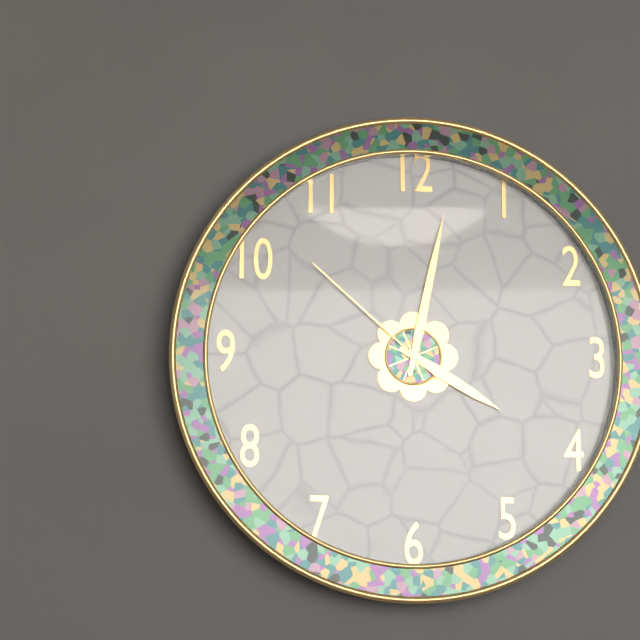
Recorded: {"hour": 4, "minute": 2, "second": 52}
